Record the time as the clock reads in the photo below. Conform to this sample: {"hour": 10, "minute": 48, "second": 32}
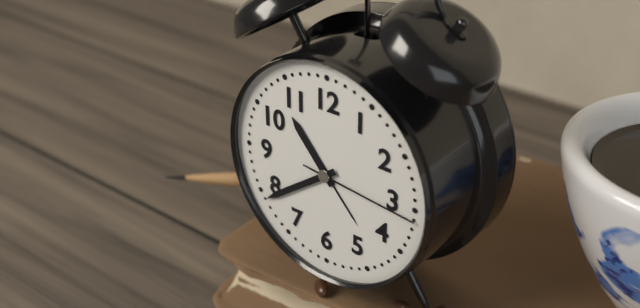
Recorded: {"hour": 10, "minute": 39, "second": 16}
